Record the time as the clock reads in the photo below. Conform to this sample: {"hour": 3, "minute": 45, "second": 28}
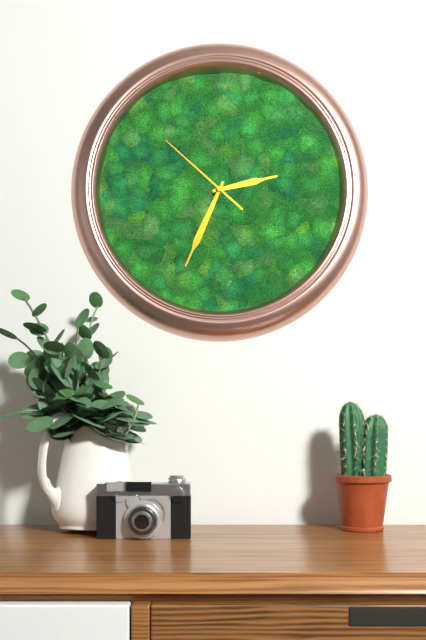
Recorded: {"hour": 2, "minute": 34, "second": 52}
